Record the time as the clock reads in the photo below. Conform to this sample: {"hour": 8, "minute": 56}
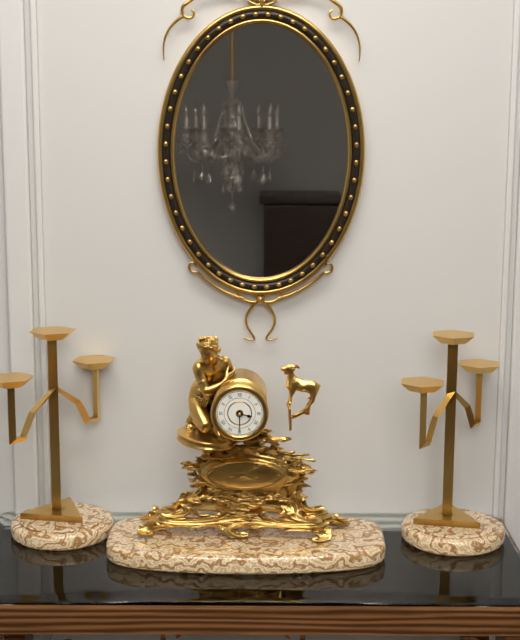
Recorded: {"hour": 3, "minute": 30}
